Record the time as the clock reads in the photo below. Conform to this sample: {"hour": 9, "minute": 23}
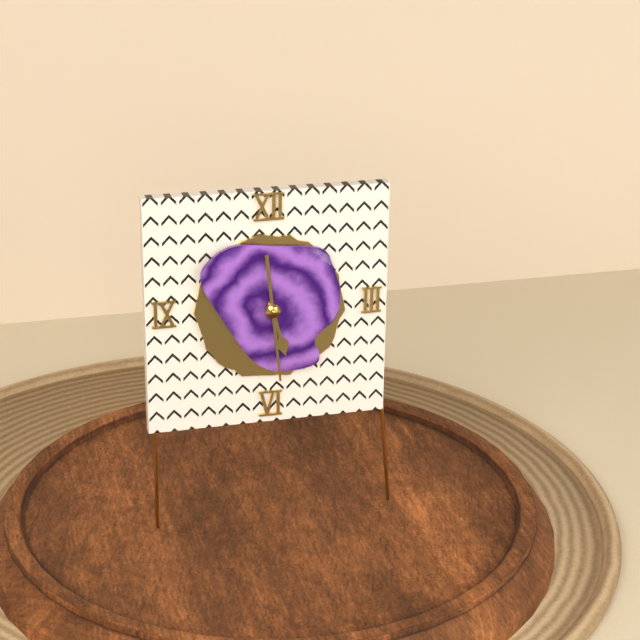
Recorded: {"hour": 5, "minute": 29}
